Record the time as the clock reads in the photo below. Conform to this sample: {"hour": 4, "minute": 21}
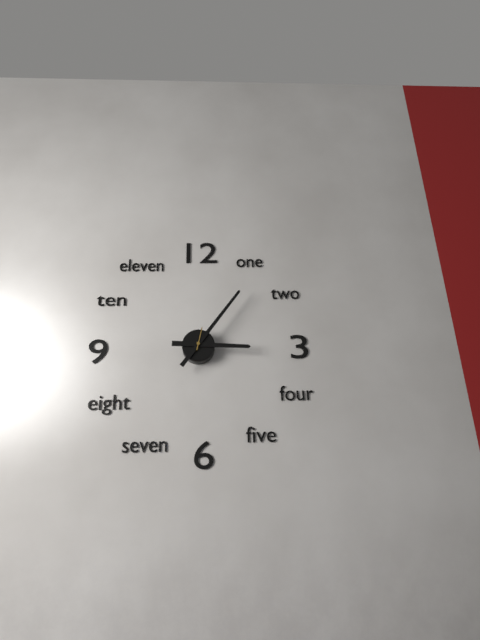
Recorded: {"hour": 3, "minute": 6}
